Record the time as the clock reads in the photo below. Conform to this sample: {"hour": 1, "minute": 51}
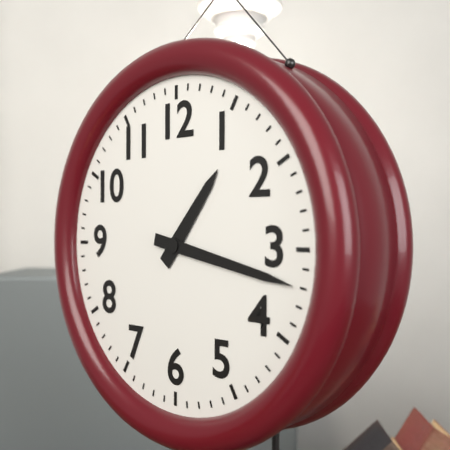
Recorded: {"hour": 1, "minute": 17}
